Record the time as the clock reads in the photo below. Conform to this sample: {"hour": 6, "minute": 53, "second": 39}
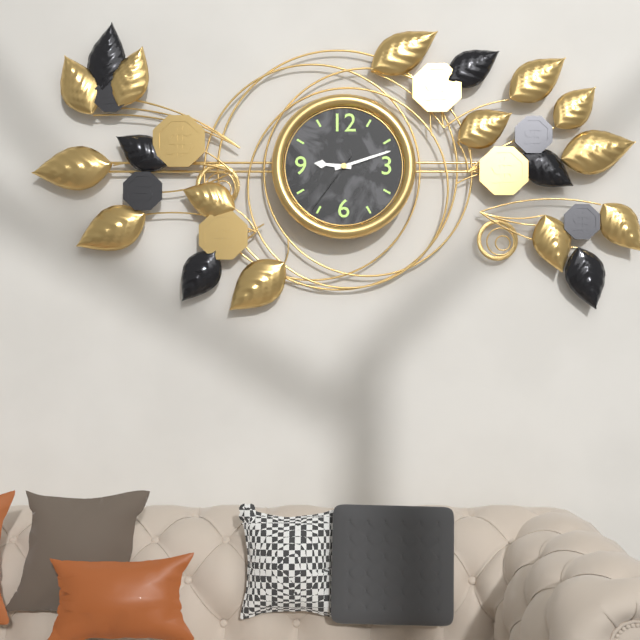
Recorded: {"hour": 9, "minute": 12, "second": 36}
